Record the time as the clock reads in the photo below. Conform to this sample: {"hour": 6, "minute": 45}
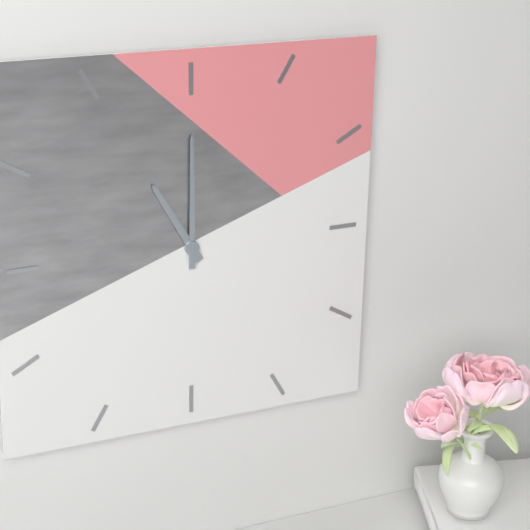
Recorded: {"hour": 11, "minute": 0}
